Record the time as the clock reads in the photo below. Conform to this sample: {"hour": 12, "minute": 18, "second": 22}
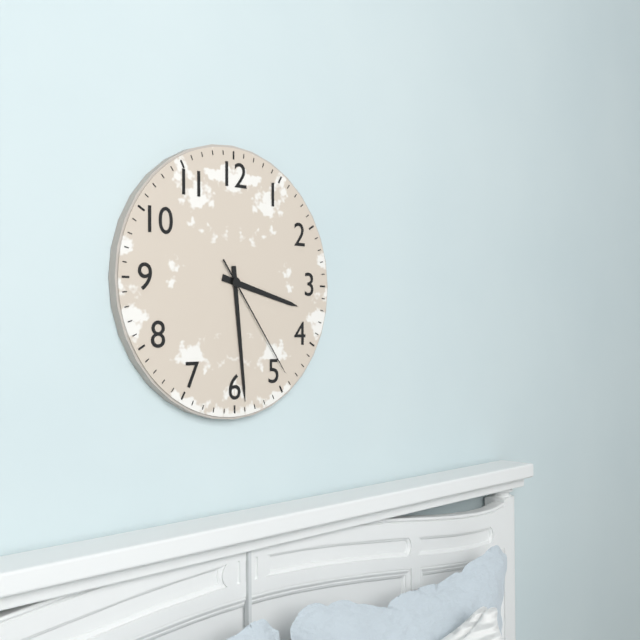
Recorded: {"hour": 3, "minute": 29, "second": 24}
